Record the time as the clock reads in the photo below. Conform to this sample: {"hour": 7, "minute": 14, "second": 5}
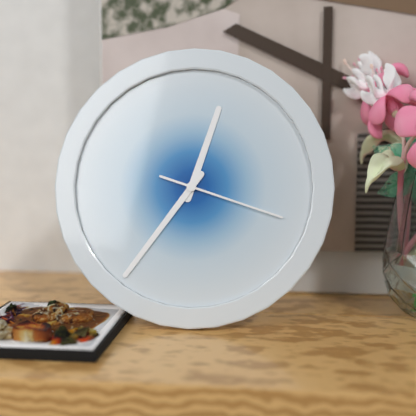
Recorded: {"hour": 12, "minute": 36, "second": 18}
